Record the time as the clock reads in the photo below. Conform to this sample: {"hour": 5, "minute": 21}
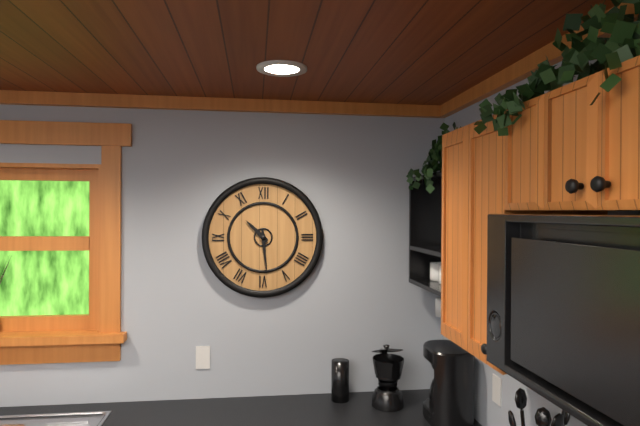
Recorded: {"hour": 10, "minute": 29}
